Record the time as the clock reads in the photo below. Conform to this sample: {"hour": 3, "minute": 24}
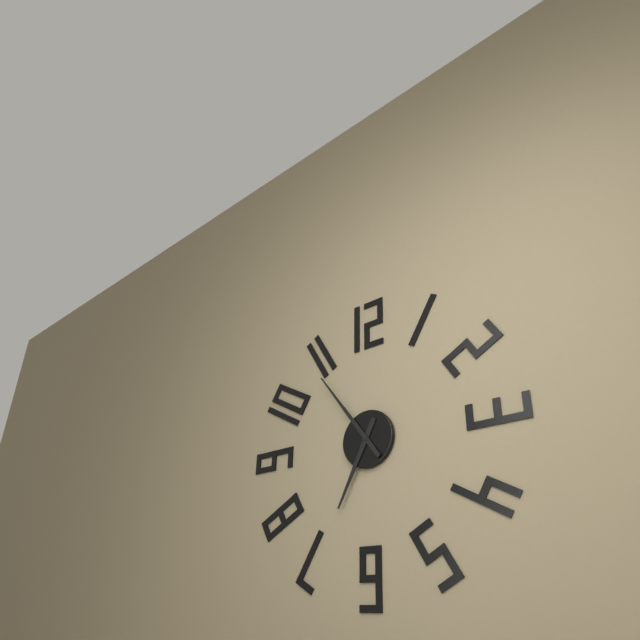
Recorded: {"hour": 6, "minute": 54}
